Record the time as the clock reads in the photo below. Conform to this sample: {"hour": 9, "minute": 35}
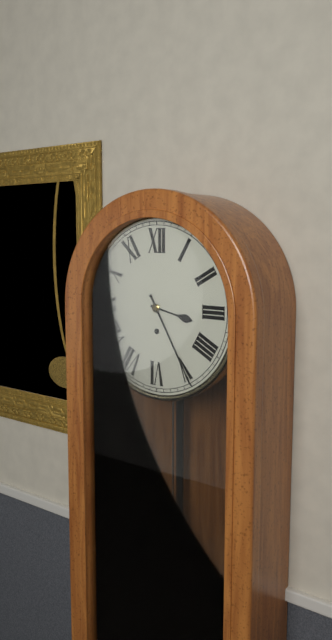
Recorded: {"hour": 3, "minute": 25}
